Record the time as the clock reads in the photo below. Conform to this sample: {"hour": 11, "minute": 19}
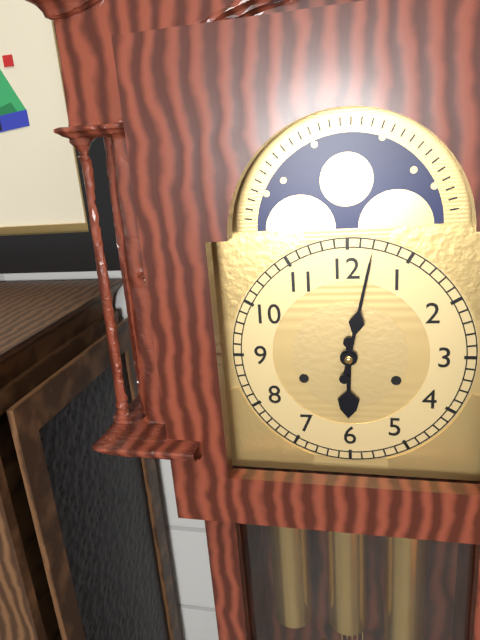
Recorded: {"hour": 6, "minute": 2}
